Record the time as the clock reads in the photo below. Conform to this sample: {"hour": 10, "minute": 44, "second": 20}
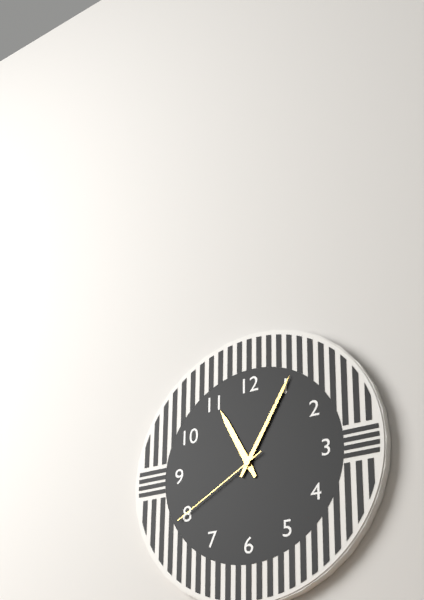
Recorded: {"hour": 11, "minute": 5, "second": 40}
